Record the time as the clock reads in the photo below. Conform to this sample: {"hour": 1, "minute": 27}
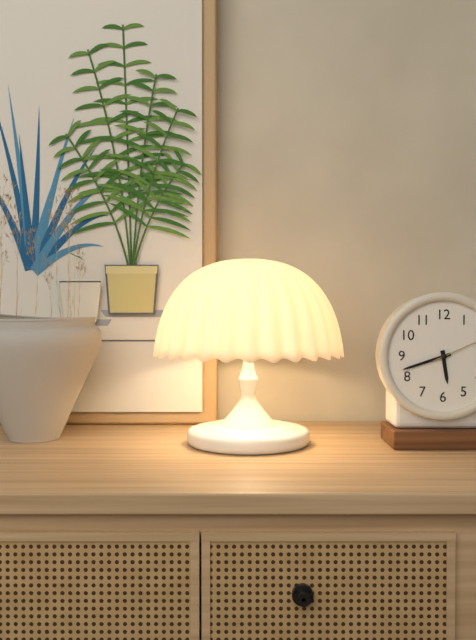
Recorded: {"hour": 5, "minute": 42}
